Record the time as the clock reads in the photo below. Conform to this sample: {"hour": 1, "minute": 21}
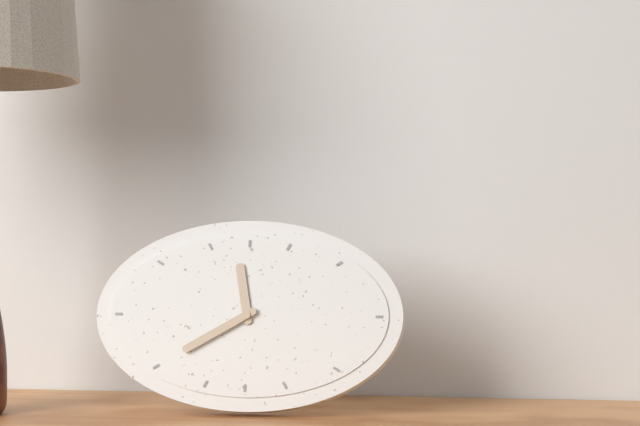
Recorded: {"hour": 11, "minute": 40}
